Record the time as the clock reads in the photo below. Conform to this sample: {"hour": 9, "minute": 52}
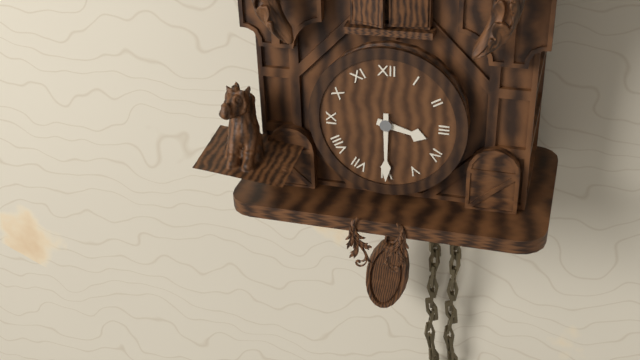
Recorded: {"hour": 3, "minute": 30}
